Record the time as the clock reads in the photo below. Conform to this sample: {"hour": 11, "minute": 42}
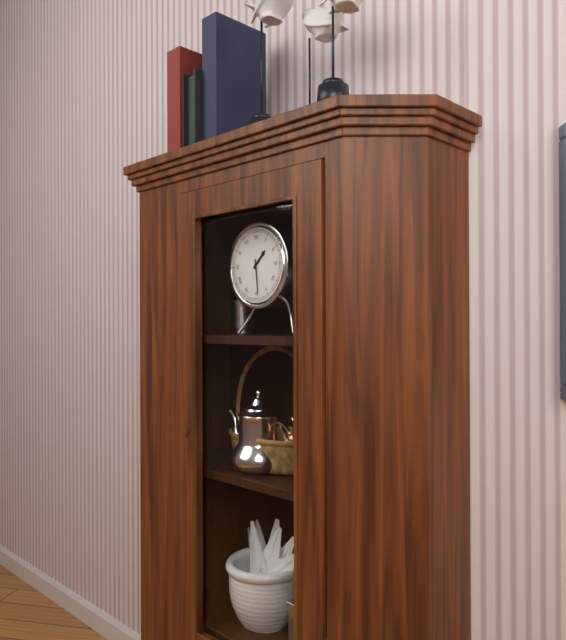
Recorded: {"hour": 1, "minute": 29}
